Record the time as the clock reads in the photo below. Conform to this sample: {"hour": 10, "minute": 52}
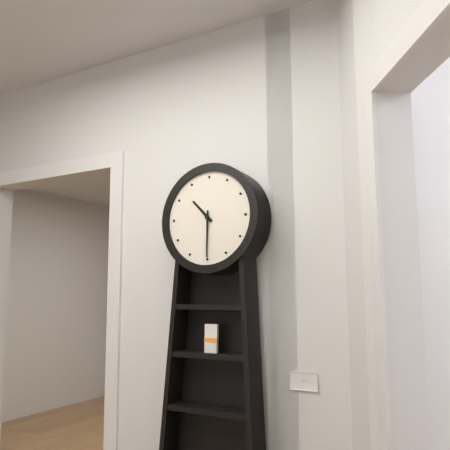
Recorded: {"hour": 10, "minute": 30}
